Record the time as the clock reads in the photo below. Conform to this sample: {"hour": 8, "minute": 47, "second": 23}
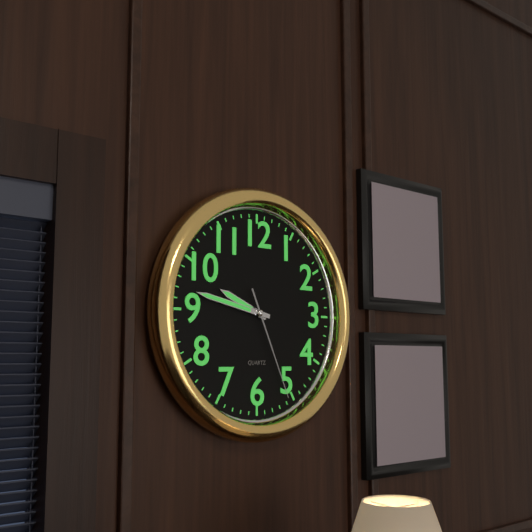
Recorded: {"hour": 9, "minute": 47, "second": 26}
